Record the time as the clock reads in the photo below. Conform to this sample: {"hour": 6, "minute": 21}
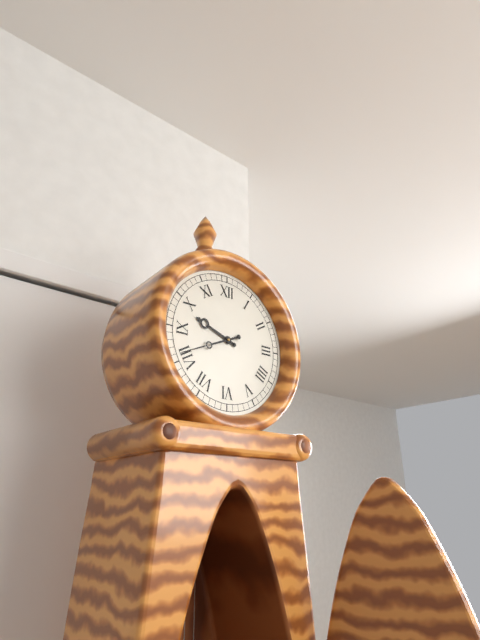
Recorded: {"hour": 9, "minute": 41}
